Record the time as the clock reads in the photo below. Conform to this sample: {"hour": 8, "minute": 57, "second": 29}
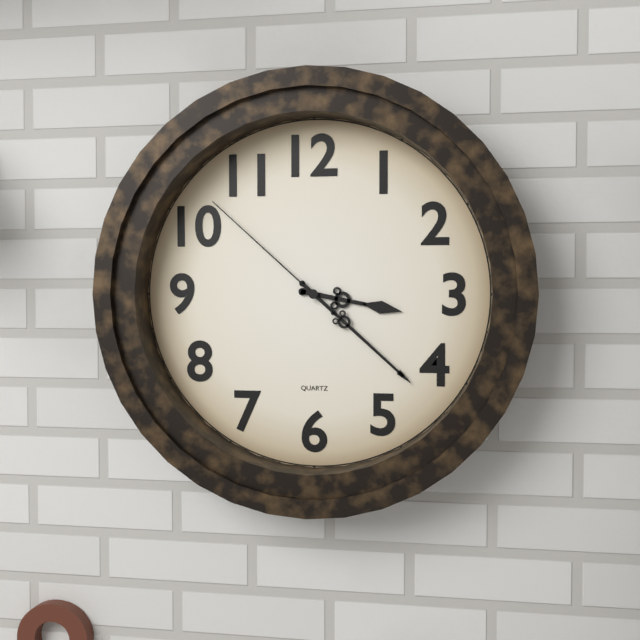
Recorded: {"hour": 3, "minute": 22, "second": 52}
